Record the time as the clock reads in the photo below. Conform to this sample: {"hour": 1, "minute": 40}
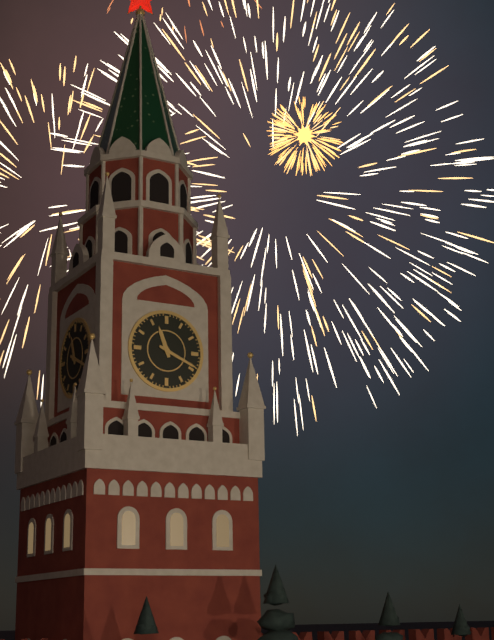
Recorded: {"hour": 11, "minute": 19}
